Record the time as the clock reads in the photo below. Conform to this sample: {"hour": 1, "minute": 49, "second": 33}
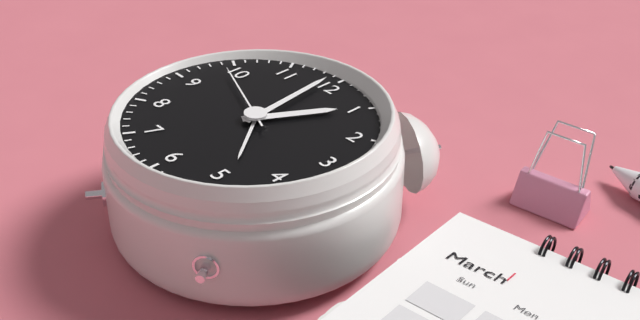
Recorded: {"hour": 12, "minute": 59, "second": 49}
